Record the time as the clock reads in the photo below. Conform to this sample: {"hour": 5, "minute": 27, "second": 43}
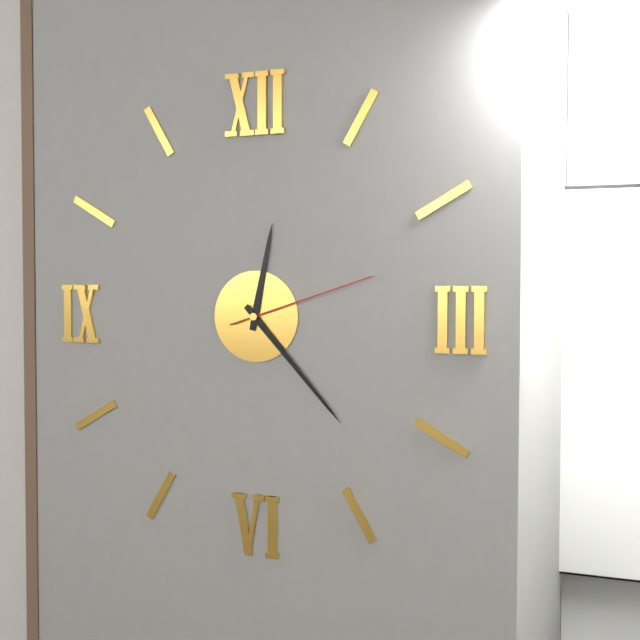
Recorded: {"hour": 12, "minute": 23, "second": 12}
